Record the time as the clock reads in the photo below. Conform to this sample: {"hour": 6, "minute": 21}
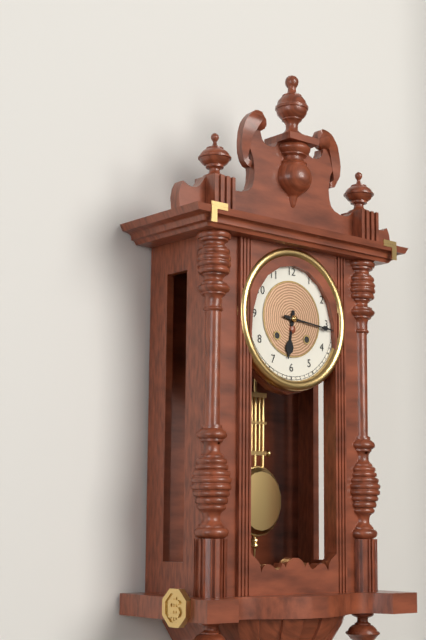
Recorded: {"hour": 6, "minute": 16}
